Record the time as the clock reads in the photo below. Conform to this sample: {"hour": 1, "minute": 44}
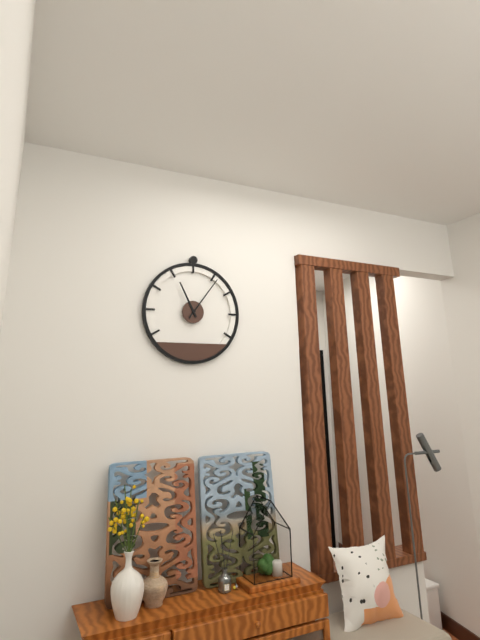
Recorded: {"hour": 11, "minute": 6}
